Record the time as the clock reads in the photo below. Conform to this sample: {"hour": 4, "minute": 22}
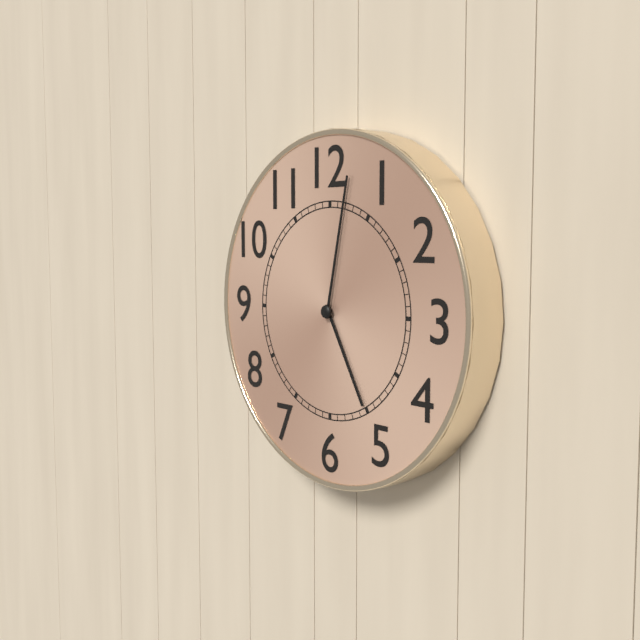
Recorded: {"hour": 5, "minute": 2}
